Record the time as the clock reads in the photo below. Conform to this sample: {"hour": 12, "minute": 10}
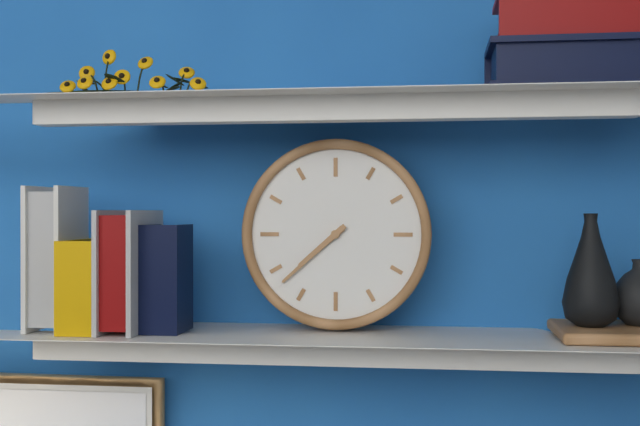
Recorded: {"hour": 7, "minute": 38}
